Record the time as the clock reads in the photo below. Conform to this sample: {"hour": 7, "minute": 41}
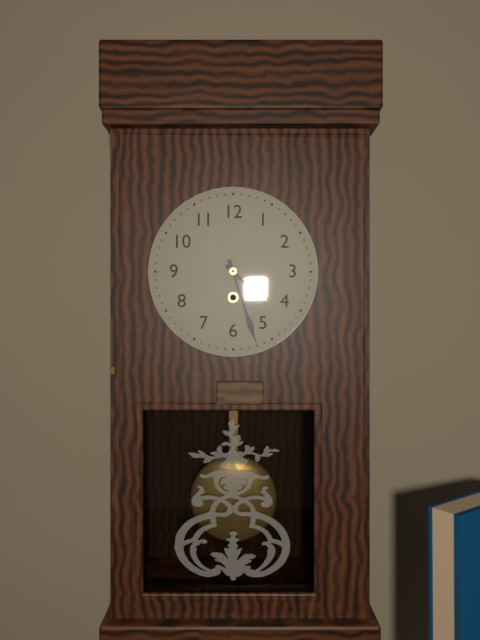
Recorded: {"hour": 4, "minute": 27}
